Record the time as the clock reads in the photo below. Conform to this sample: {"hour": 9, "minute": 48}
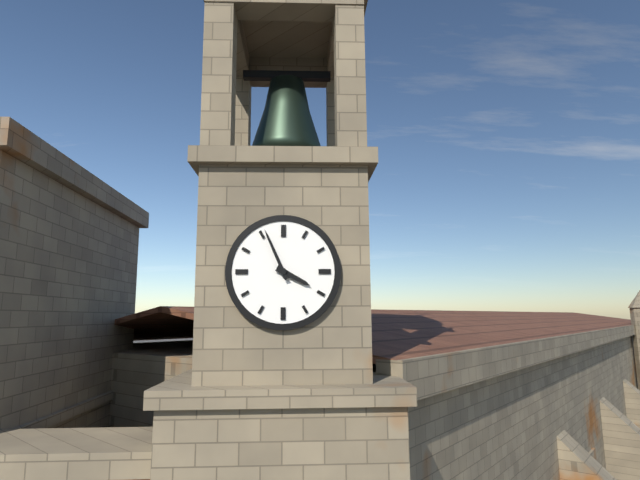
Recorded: {"hour": 3, "minute": 56}
